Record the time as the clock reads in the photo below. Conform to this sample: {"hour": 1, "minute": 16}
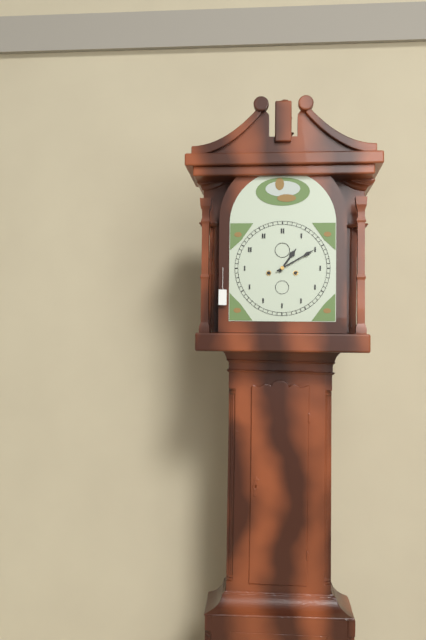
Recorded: {"hour": 1, "minute": 10}
